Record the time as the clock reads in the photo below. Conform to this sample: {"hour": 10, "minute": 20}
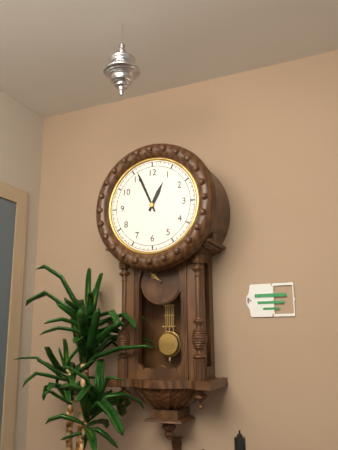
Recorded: {"hour": 12, "minute": 56}
